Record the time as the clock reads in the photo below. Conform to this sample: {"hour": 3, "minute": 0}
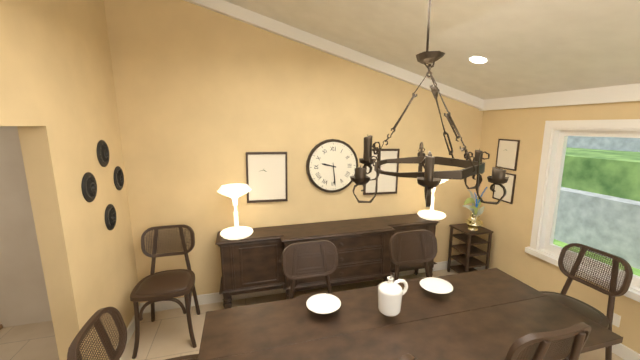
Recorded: {"hour": 9, "minute": 29}
